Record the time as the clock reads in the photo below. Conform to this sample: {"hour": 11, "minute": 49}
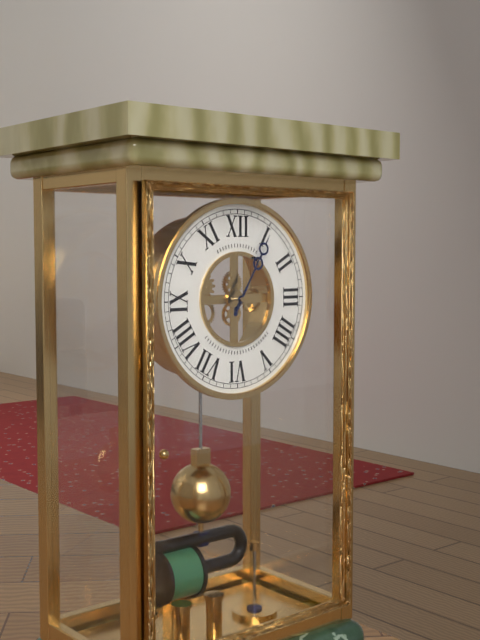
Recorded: {"hour": 1, "minute": 5}
